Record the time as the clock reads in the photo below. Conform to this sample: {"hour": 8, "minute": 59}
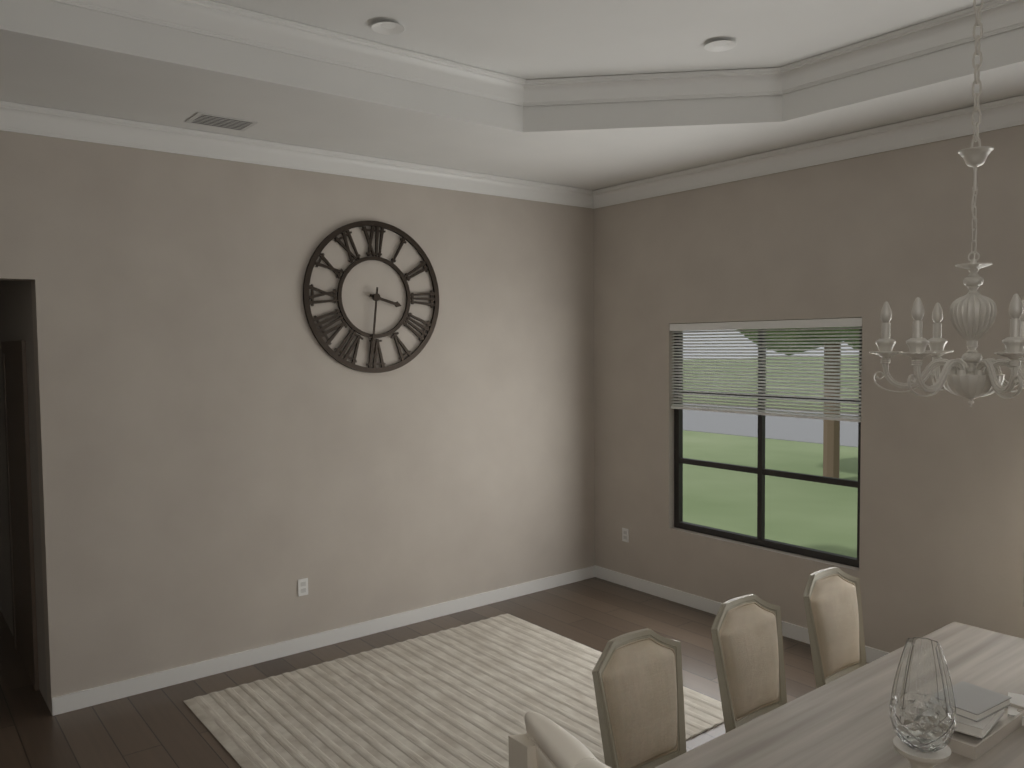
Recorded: {"hour": 3, "minute": 31}
